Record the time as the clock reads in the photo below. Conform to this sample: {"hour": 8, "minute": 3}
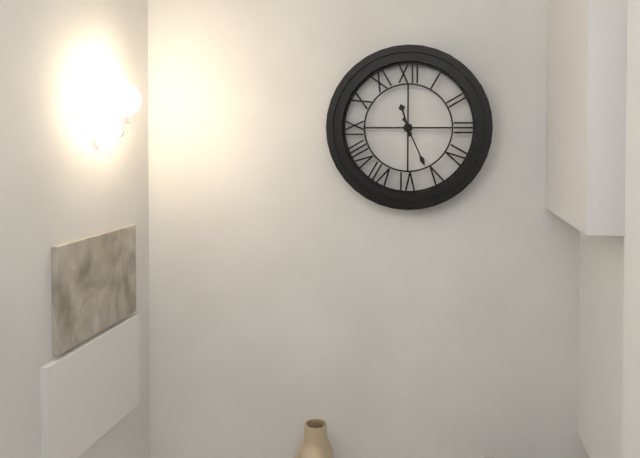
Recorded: {"hour": 11, "minute": 26}
